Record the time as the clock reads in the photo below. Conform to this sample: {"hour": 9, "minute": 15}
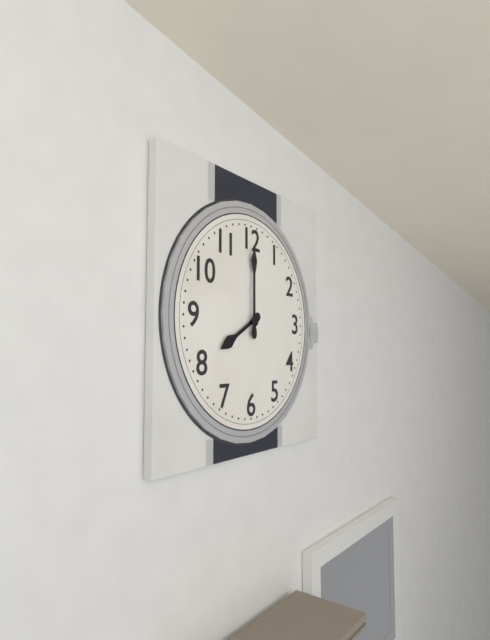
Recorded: {"hour": 8, "minute": 0}
